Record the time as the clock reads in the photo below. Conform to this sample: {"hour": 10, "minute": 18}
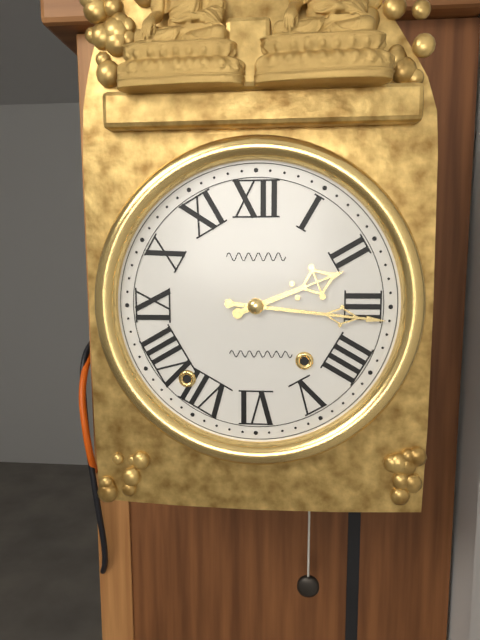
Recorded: {"hour": 2, "minute": 16}
